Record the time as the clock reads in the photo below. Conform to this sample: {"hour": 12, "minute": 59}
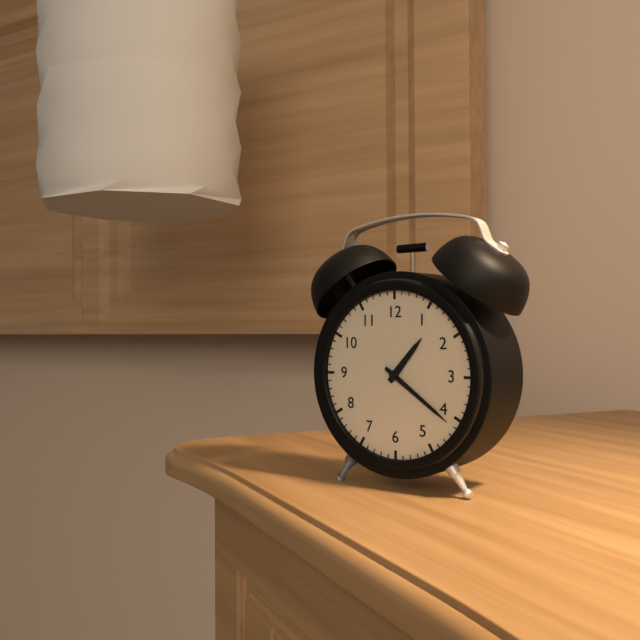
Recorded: {"hour": 1, "minute": 21}
